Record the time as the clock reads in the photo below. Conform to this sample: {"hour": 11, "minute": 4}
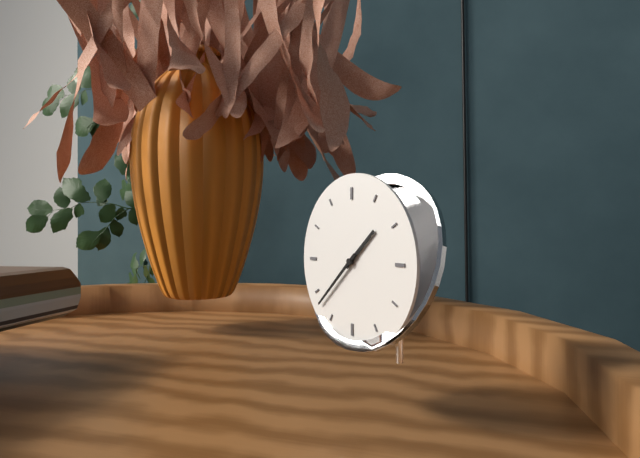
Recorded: {"hour": 1, "minute": 38}
